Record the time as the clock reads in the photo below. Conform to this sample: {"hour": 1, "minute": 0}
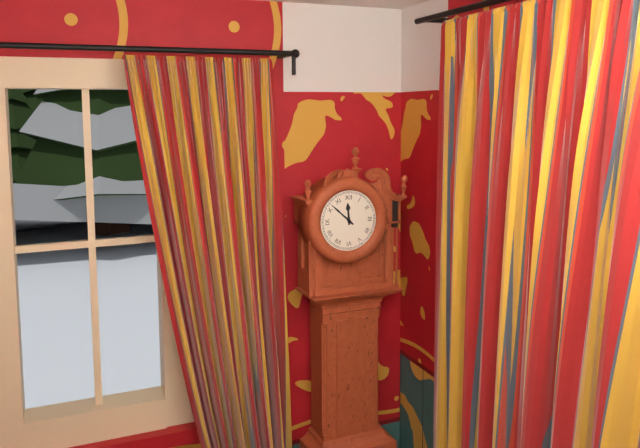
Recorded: {"hour": 11, "minute": 52}
